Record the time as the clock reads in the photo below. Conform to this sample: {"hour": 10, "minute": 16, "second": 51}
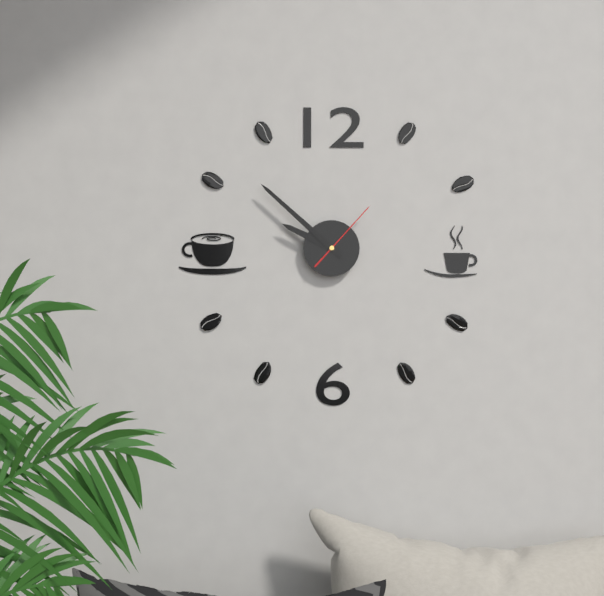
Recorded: {"hour": 9, "minute": 52, "second": 7}
